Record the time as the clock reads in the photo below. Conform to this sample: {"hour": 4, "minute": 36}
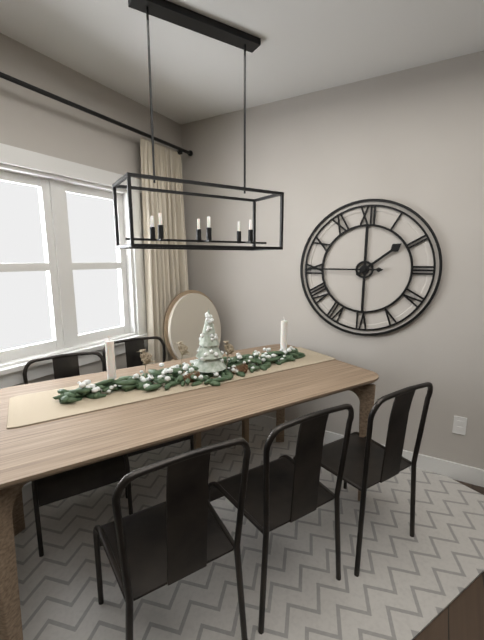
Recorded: {"hour": 1, "minute": 45}
